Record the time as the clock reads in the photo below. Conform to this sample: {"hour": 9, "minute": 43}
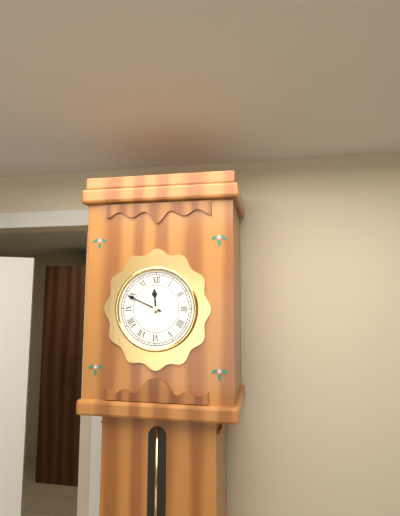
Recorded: {"hour": 11, "minute": 49}
